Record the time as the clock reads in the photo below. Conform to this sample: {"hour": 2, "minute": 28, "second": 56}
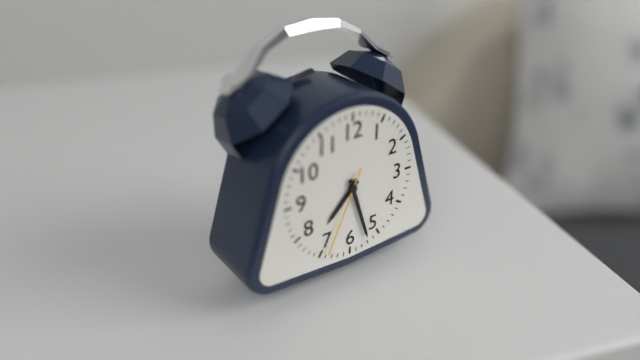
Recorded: {"hour": 7, "minute": 27, "second": 34}
